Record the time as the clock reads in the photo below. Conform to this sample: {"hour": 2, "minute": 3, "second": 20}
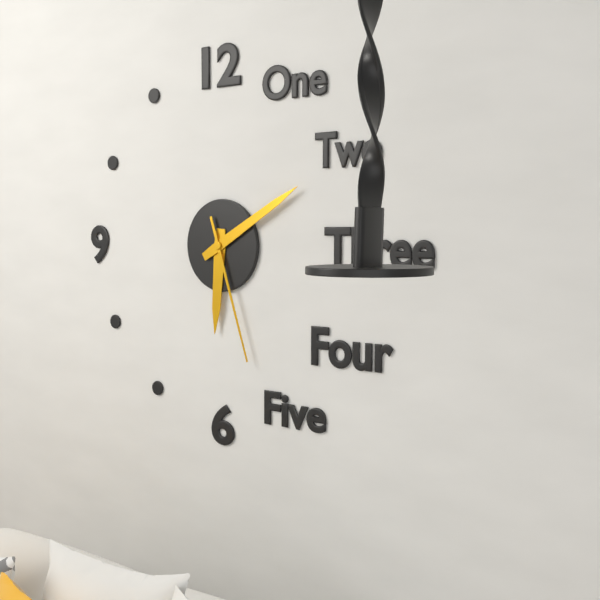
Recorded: {"hour": 6, "minute": 10, "second": 27}
